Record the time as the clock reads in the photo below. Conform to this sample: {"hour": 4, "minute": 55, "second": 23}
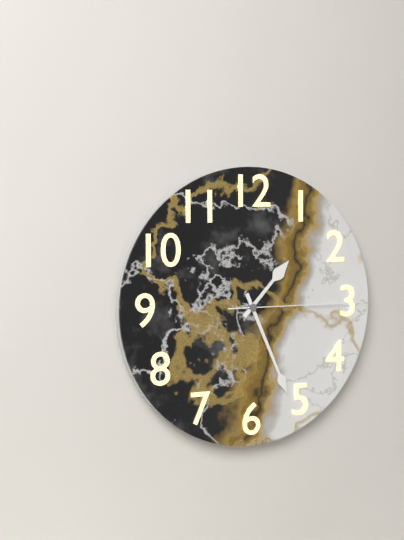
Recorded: {"hour": 1, "minute": 26, "second": 15}
